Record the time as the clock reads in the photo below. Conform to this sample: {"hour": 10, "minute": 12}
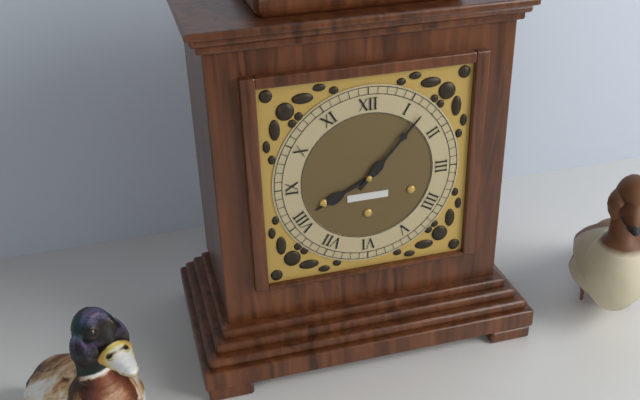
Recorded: {"hour": 8, "minute": 7}
